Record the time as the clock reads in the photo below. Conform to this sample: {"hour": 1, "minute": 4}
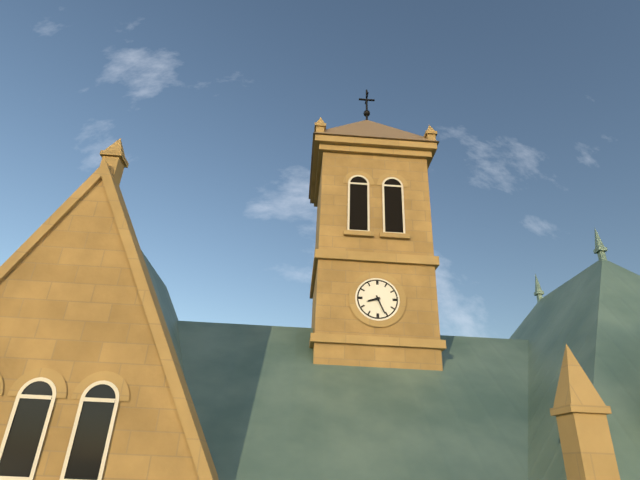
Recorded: {"hour": 8, "minute": 26}
